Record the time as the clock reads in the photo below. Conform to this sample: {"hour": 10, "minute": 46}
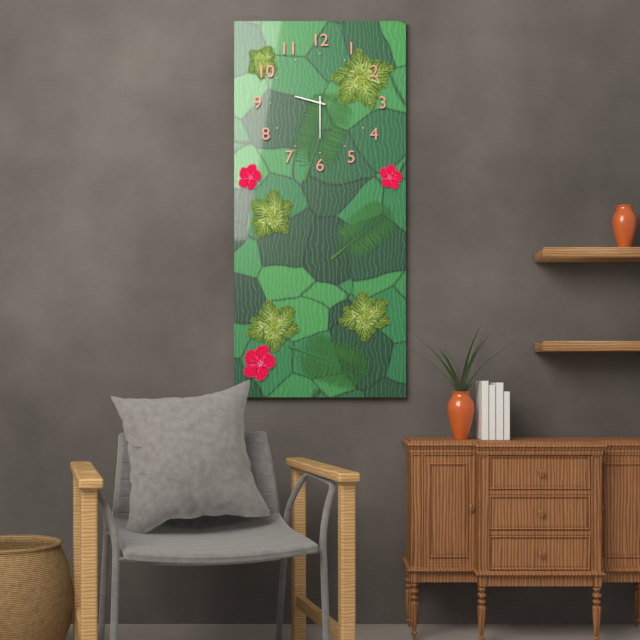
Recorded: {"hour": 9, "minute": 30}
